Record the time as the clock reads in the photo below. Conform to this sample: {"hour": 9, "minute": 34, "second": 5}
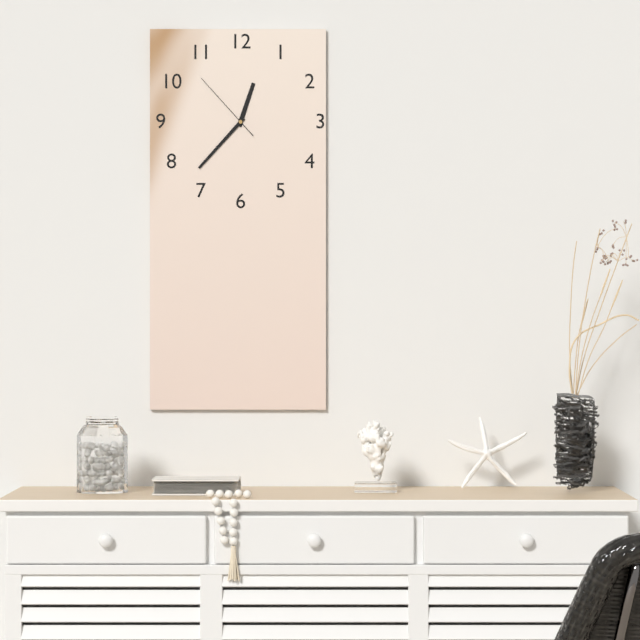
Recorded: {"hour": 12, "minute": 37, "second": 53}
